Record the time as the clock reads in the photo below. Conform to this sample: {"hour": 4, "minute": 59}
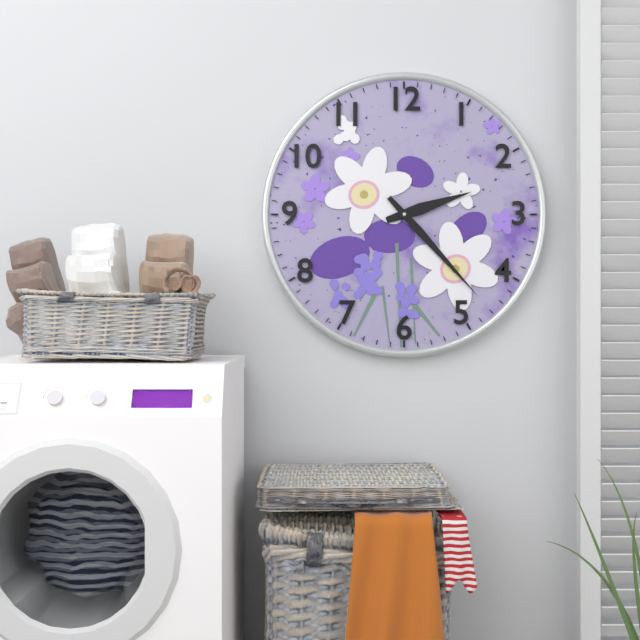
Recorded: {"hour": 2, "minute": 23}
